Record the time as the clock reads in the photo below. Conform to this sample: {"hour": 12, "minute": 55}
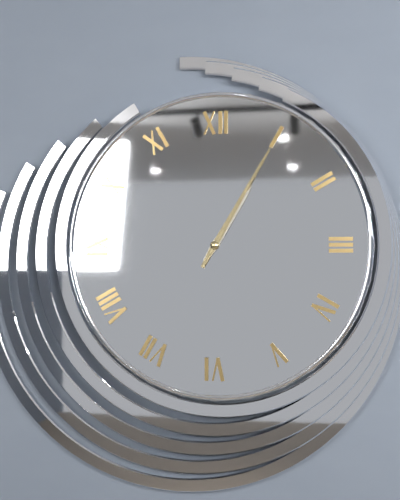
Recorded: {"hour": 1, "minute": 5}
